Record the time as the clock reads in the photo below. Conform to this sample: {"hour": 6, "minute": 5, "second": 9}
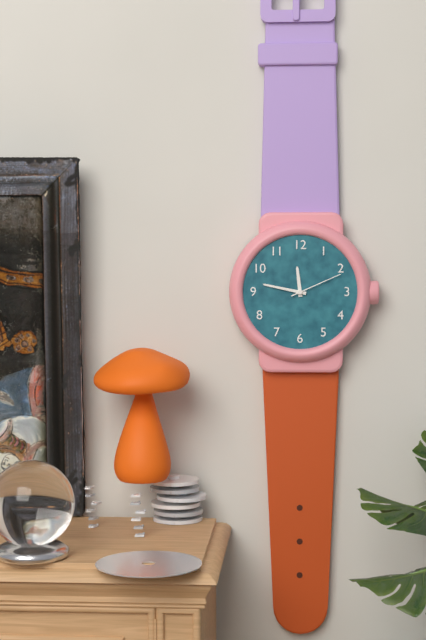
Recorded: {"hour": 11, "minute": 47, "second": 11}
